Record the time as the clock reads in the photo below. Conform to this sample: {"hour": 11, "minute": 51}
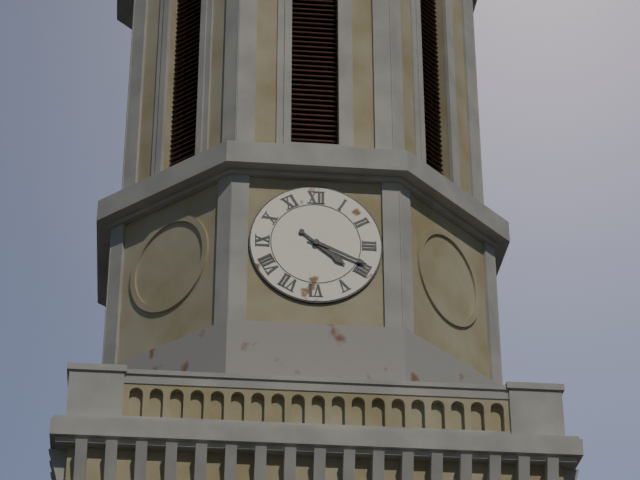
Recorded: {"hour": 4, "minute": 19}
